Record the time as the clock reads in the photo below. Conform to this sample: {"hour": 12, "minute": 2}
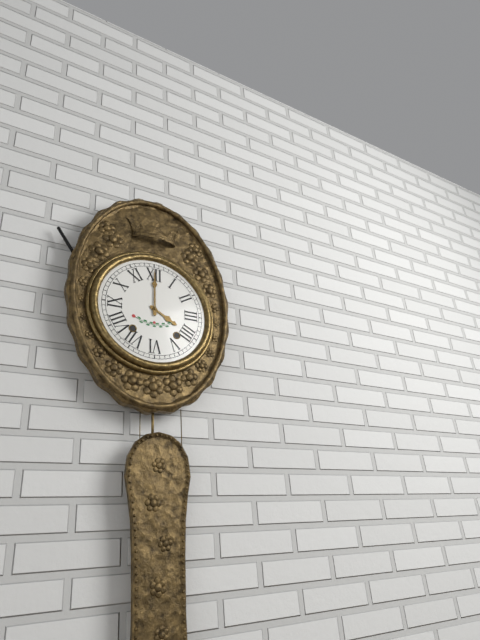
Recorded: {"hour": 4, "minute": 0}
